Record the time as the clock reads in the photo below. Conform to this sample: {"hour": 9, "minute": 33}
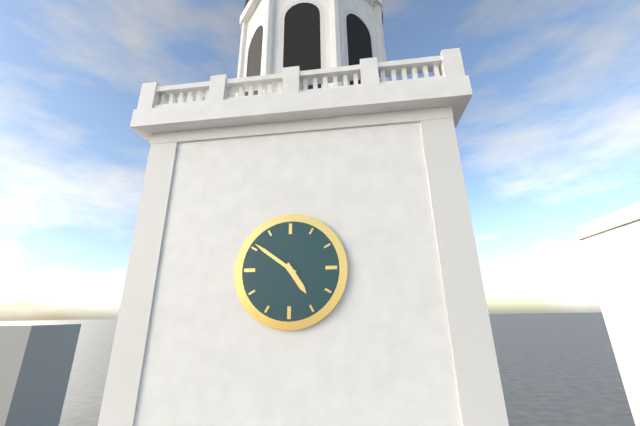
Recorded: {"hour": 4, "minute": 51}
